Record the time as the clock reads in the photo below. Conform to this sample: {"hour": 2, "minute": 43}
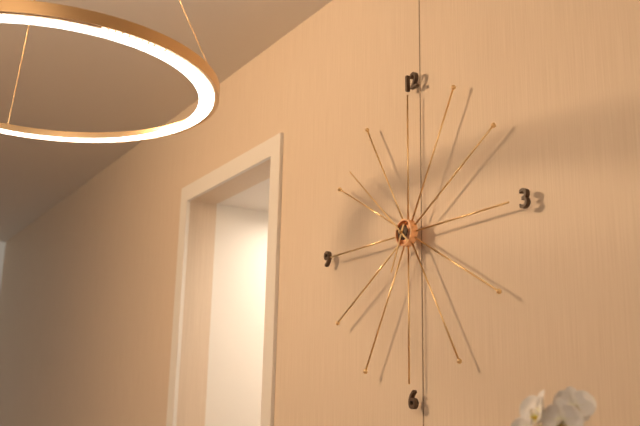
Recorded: {"hour": 6, "minute": 52}
